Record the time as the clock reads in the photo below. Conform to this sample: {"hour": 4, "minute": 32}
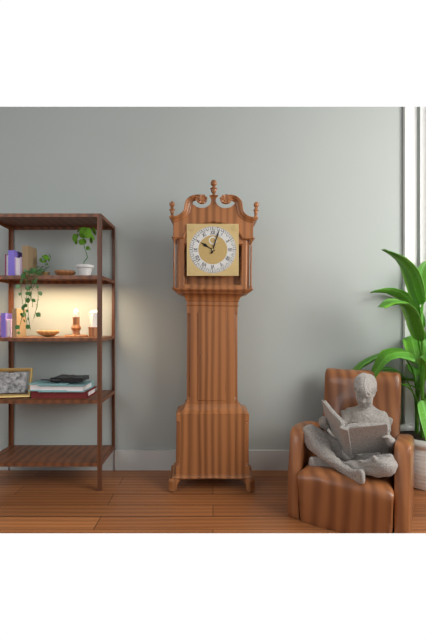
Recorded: {"hour": 10, "minute": 3}
